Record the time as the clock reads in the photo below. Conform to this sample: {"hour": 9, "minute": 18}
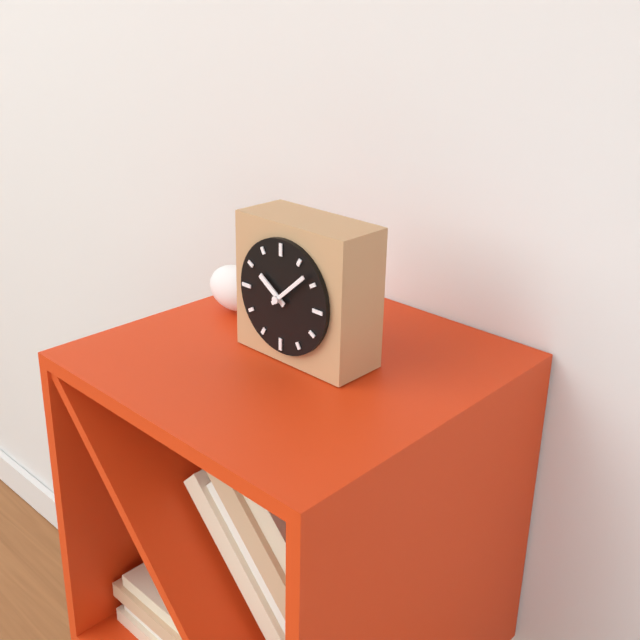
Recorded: {"hour": 10, "minute": 8}
